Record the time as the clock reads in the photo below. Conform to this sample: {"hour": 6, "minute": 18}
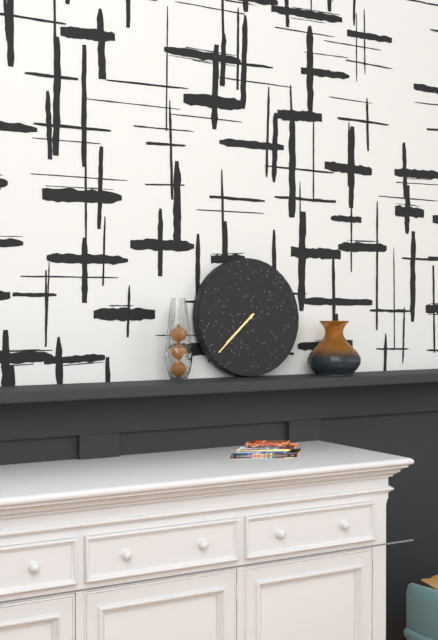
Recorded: {"hour": 7, "minute": 38}
